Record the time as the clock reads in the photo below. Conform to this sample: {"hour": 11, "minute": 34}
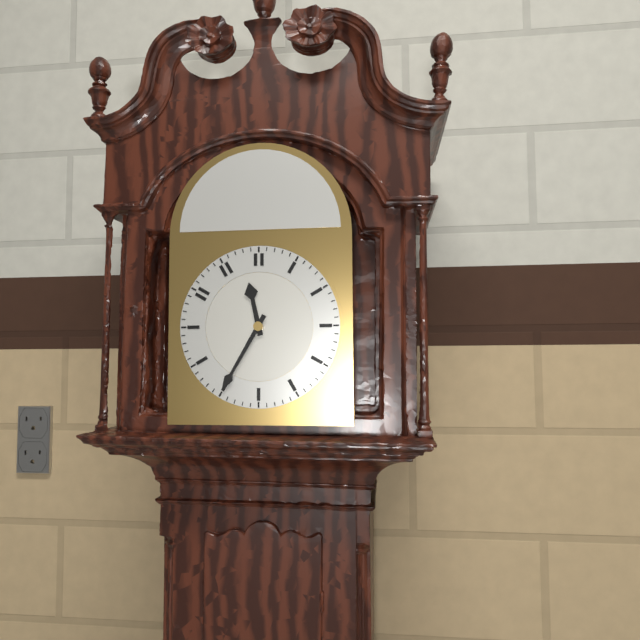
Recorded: {"hour": 11, "minute": 35}
